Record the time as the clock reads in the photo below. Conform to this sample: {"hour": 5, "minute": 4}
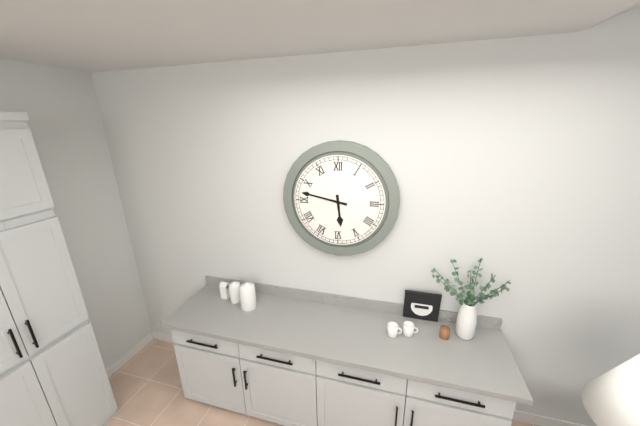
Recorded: {"hour": 5, "minute": 47}
